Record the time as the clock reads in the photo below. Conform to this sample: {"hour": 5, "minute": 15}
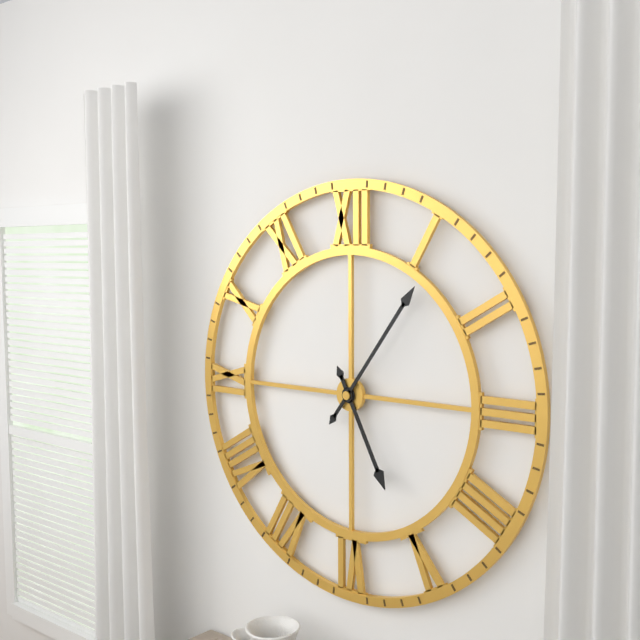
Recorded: {"hour": 5, "minute": 6}
